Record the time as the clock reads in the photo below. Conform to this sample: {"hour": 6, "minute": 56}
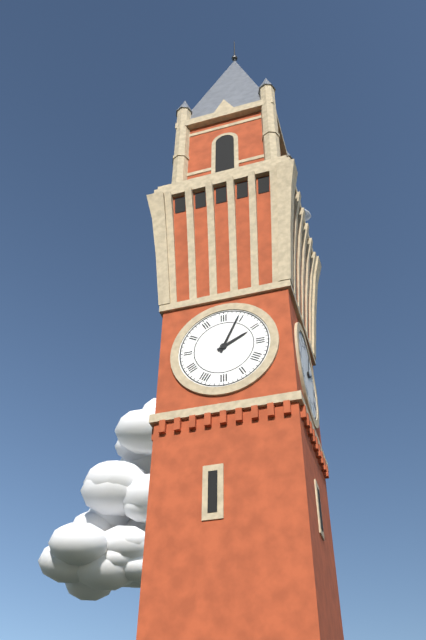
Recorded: {"hour": 2, "minute": 4}
